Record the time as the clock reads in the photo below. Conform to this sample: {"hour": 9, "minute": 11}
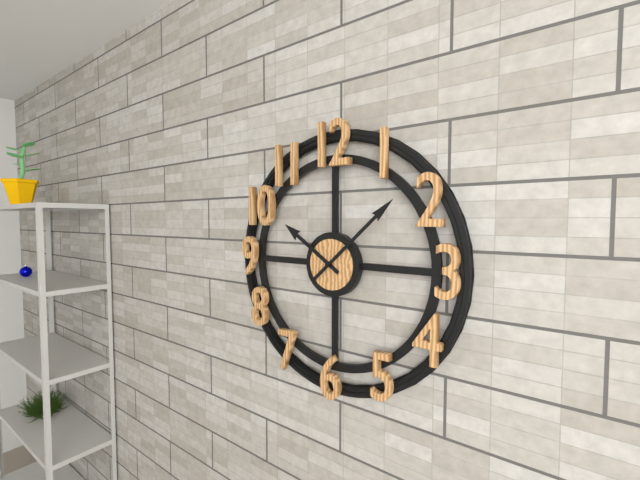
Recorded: {"hour": 10, "minute": 8}
